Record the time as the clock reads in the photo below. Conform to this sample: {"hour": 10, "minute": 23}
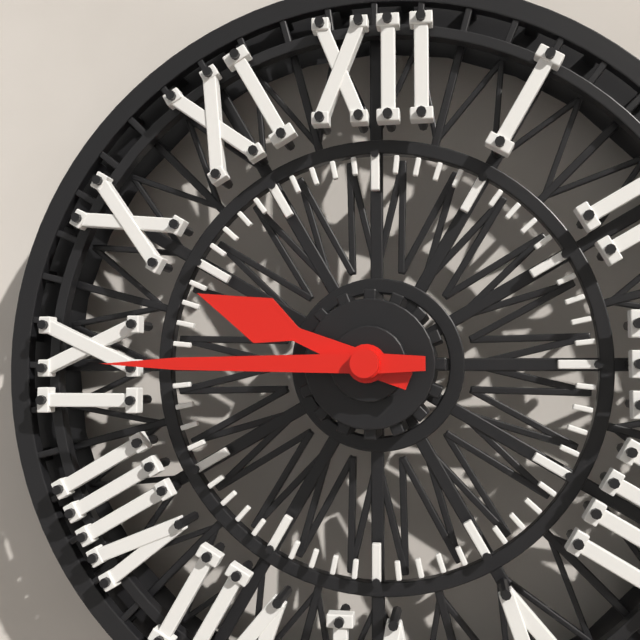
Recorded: {"hour": 9, "minute": 45}
